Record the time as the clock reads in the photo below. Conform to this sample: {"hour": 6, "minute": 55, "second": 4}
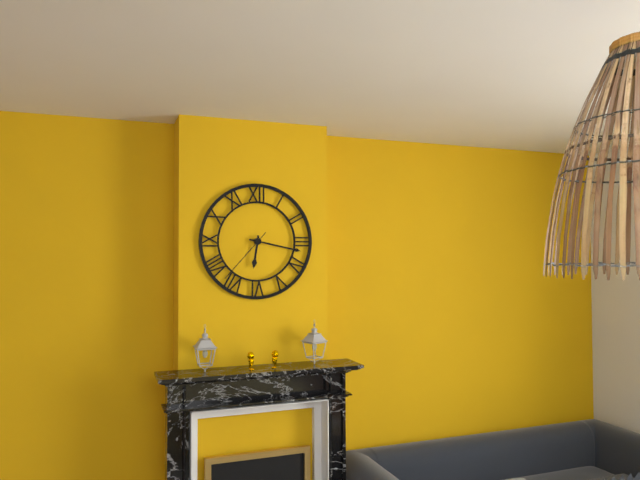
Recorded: {"hour": 6, "minute": 17, "second": 37}
